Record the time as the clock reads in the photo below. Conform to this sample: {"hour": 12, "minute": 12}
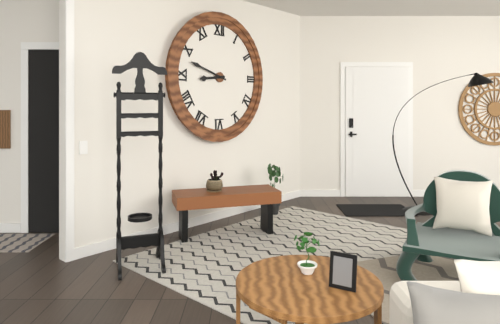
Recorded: {"hour": 8, "minute": 48}
